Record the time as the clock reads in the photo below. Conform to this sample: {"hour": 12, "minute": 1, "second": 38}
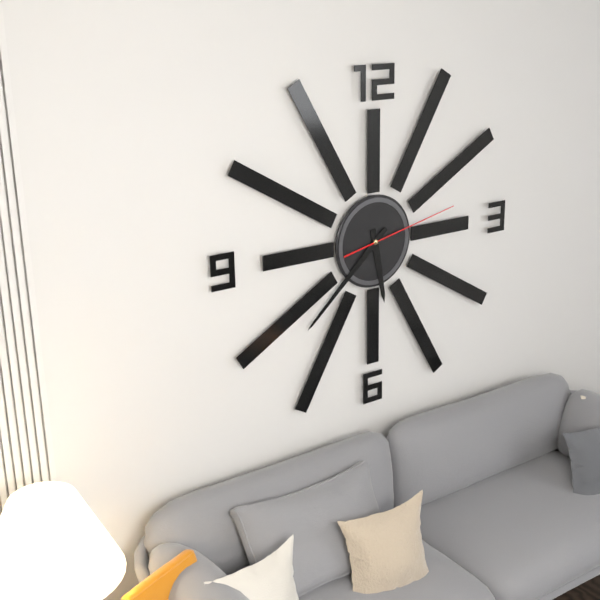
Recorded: {"hour": 5, "minute": 38, "second": 13}
